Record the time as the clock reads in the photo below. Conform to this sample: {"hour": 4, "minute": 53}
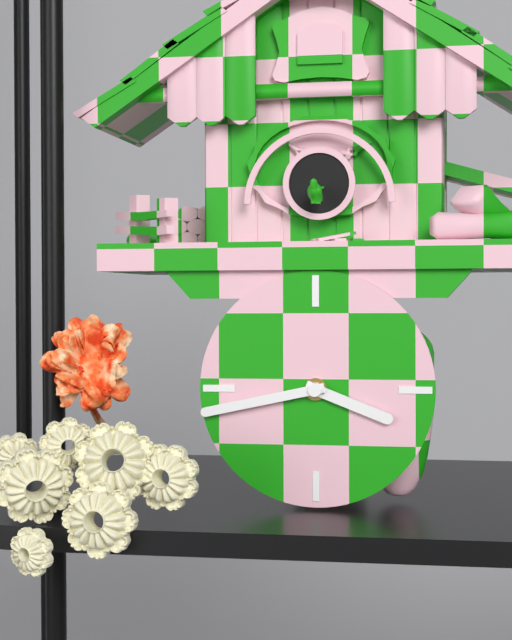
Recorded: {"hour": 3, "minute": 43}
